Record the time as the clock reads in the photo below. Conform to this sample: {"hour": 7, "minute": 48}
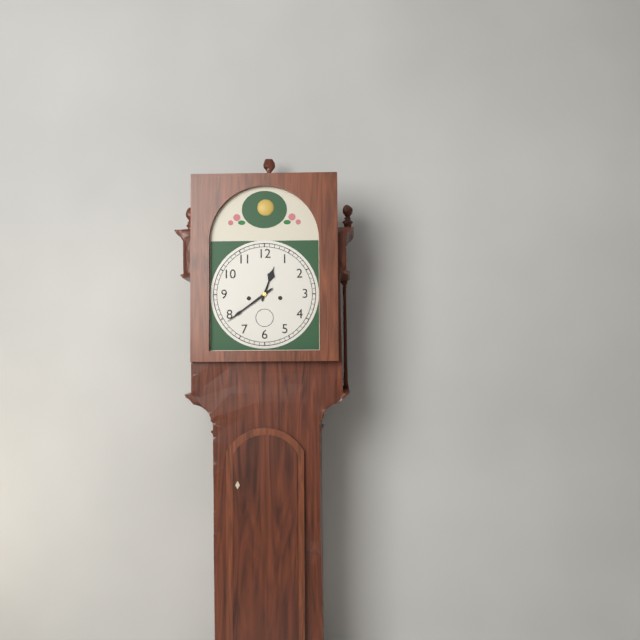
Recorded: {"hour": 12, "minute": 39}
